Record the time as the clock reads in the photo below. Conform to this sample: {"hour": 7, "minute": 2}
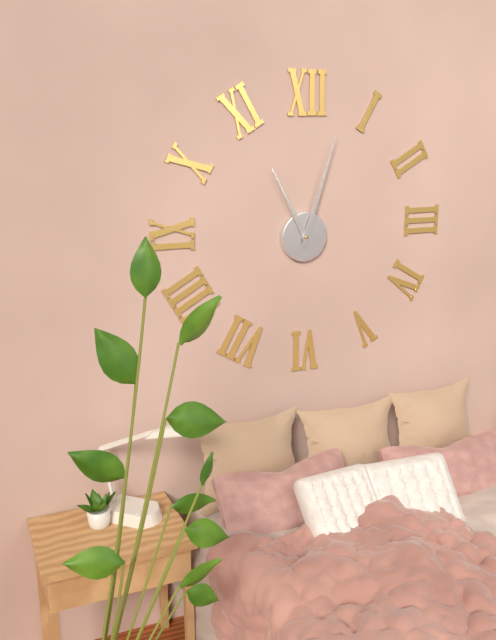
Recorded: {"hour": 11, "minute": 3}
